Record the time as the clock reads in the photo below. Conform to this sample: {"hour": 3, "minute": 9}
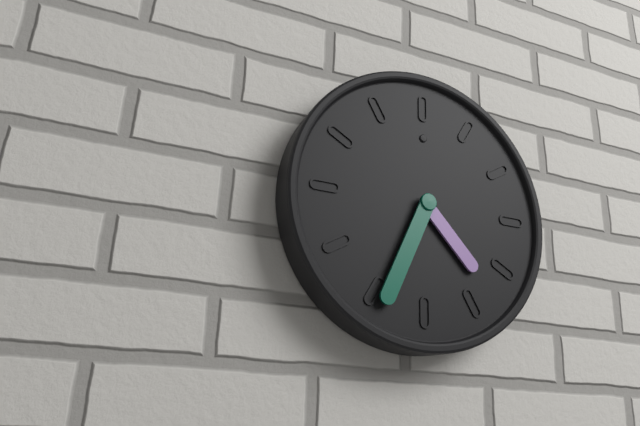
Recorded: {"hour": 4, "minute": 34}
